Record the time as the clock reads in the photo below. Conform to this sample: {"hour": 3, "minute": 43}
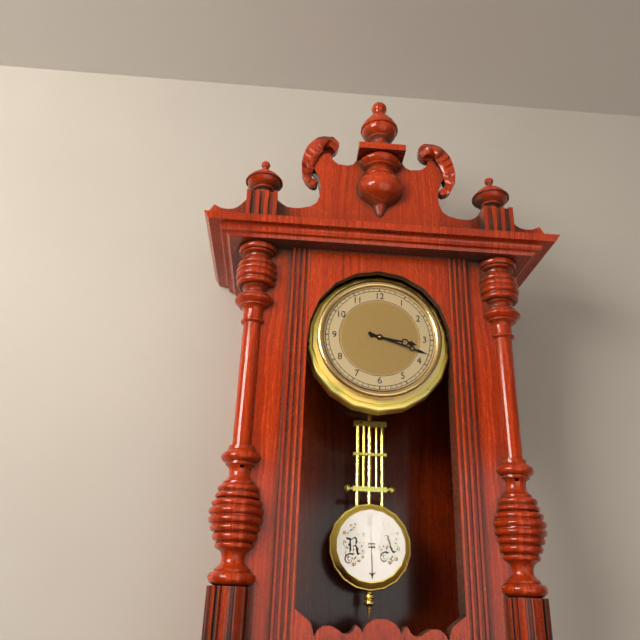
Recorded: {"hour": 3, "minute": 18}
